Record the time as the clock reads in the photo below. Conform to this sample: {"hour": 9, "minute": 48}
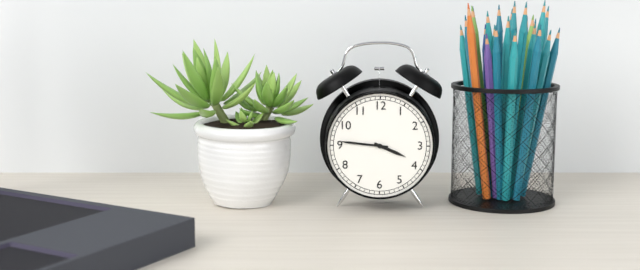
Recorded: {"hour": 3, "minute": 46}
